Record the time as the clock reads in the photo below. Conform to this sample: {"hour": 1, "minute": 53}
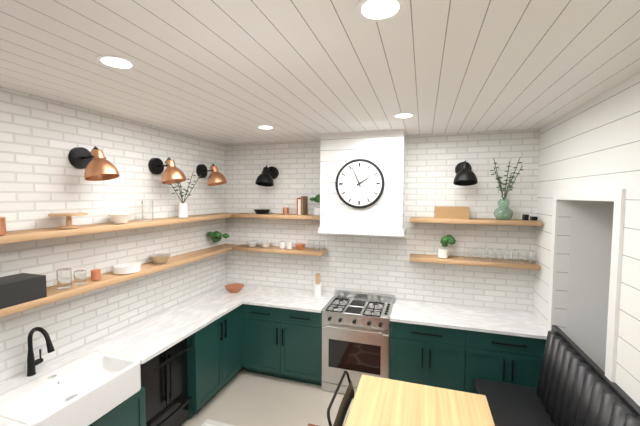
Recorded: {"hour": 1, "minute": 56}
